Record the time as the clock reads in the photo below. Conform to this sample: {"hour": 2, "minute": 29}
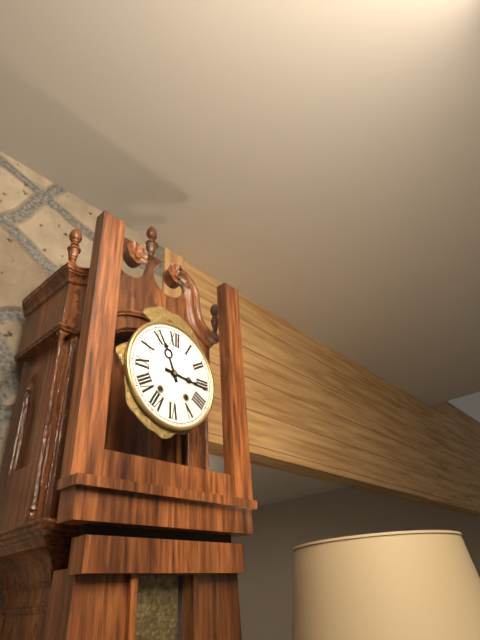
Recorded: {"hour": 11, "minute": 16}
